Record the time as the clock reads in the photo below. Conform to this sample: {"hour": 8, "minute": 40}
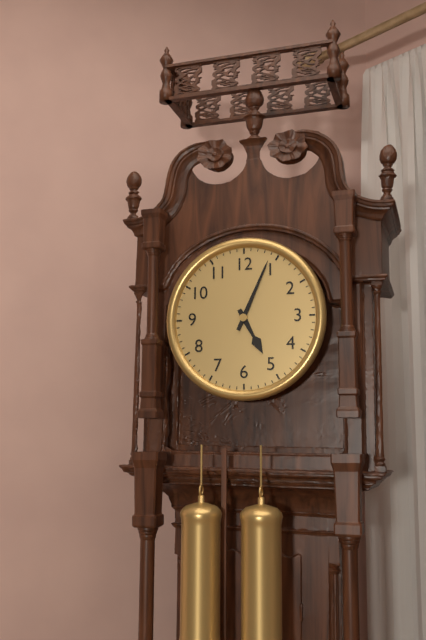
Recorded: {"hour": 5, "minute": 4}
